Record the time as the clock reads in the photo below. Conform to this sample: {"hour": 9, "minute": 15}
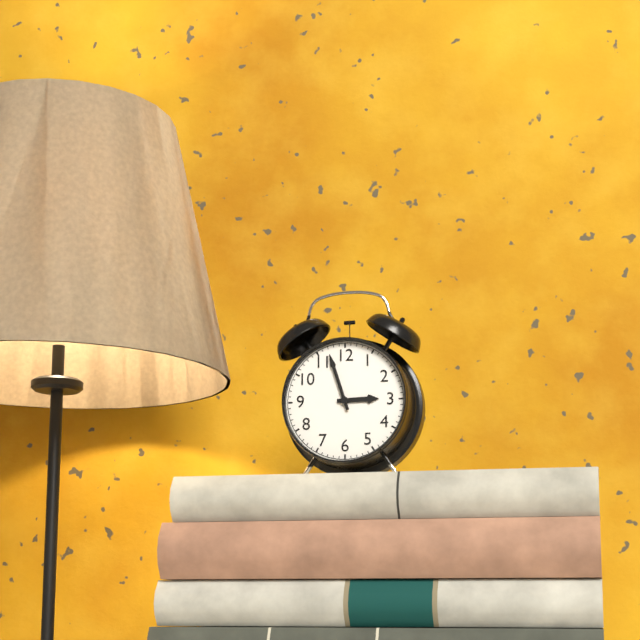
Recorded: {"hour": 2, "minute": 57}
